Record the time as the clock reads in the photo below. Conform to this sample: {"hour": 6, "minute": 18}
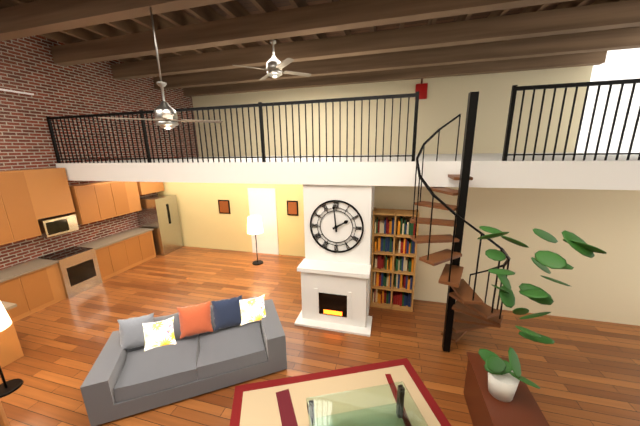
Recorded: {"hour": 1, "minute": 59}
